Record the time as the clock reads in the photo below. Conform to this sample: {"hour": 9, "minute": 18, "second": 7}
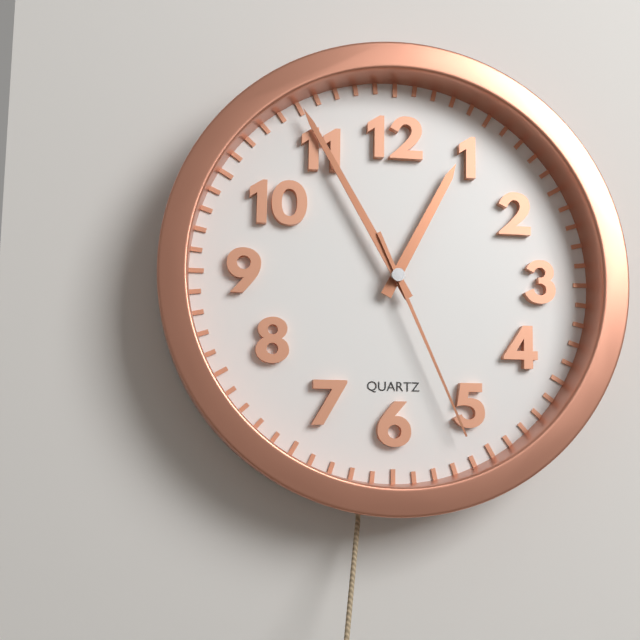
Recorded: {"hour": 12, "minute": 55, "second": 26}
